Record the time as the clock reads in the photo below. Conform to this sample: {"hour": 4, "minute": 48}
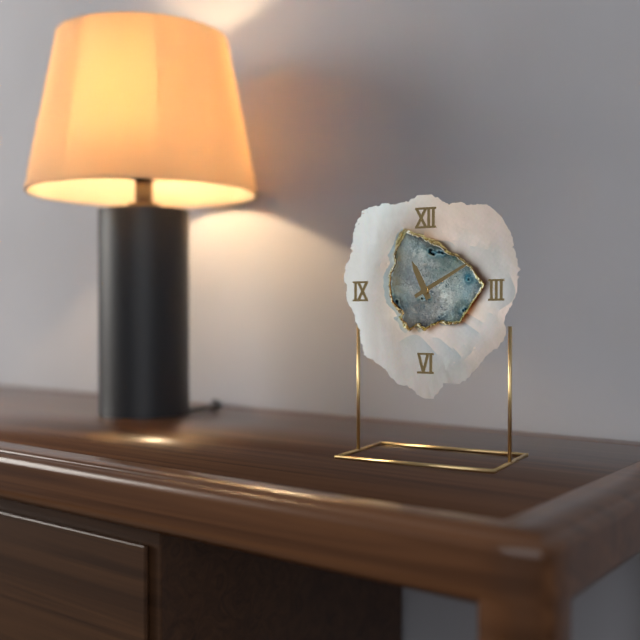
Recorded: {"hour": 11, "minute": 10}
